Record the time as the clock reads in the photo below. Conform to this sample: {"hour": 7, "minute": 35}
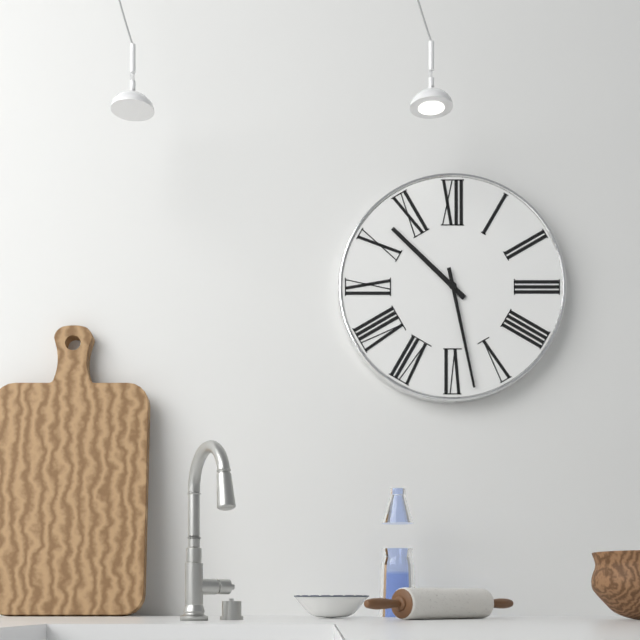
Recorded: {"hour": 10, "minute": 28}
